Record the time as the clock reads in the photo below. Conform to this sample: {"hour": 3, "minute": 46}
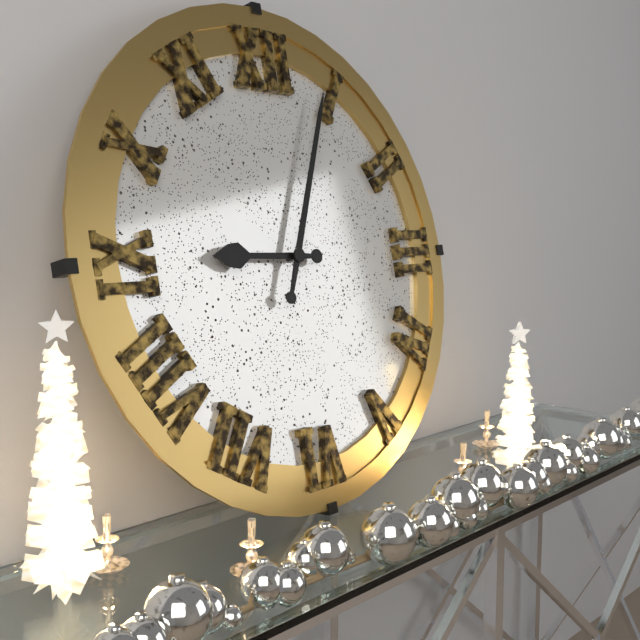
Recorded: {"hour": 9, "minute": 4}
